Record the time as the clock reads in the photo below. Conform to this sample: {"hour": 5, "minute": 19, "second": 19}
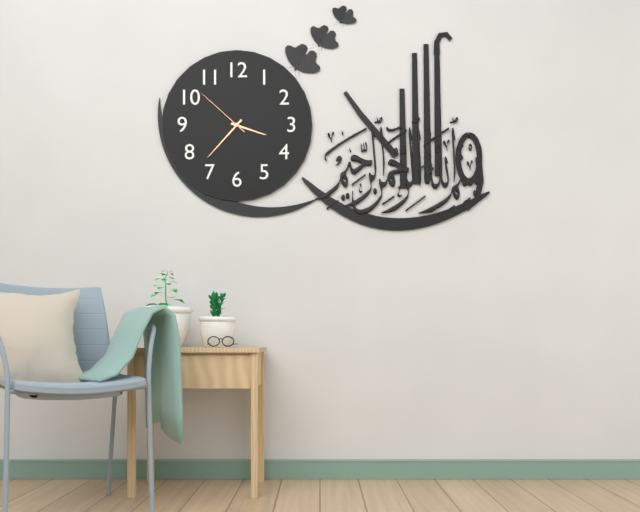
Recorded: {"hour": 3, "minute": 37, "second": 52}
